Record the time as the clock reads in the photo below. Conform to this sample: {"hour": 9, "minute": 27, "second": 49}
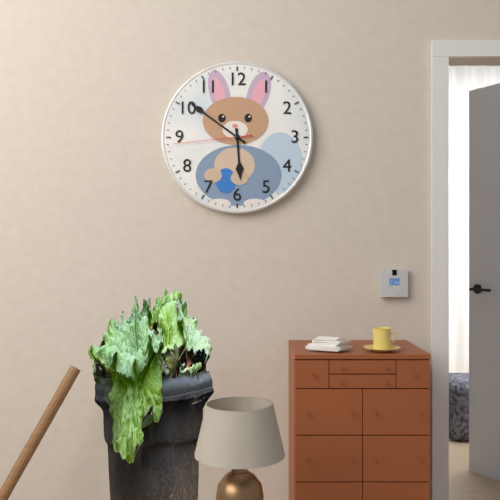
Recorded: {"hour": 5, "minute": 51, "second": 44}
